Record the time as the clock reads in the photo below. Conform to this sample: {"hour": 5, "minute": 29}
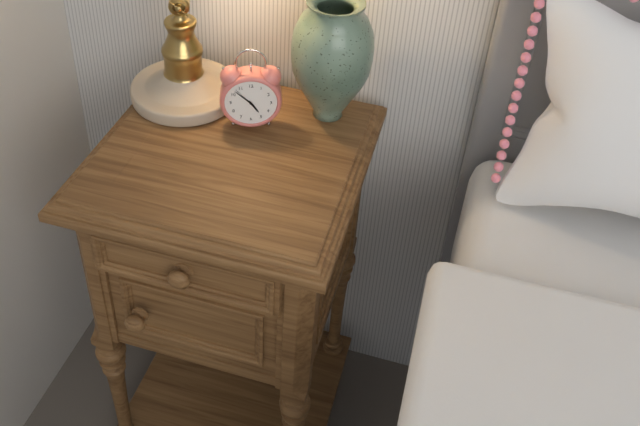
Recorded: {"hour": 4, "minute": 52}
